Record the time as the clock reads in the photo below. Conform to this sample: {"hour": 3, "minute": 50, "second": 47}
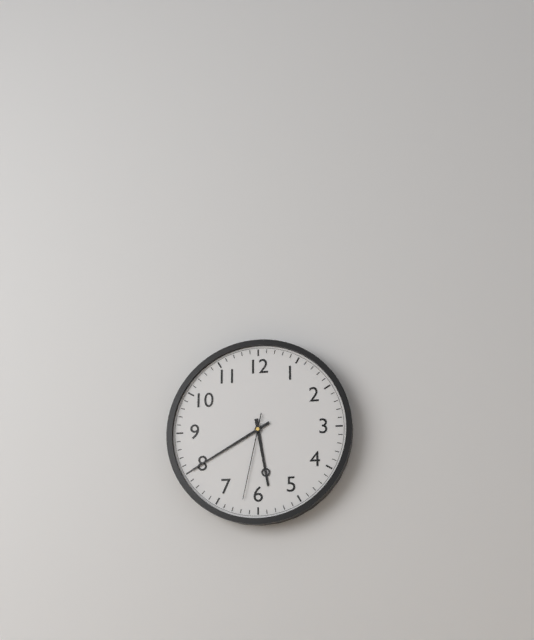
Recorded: {"hour": 5, "minute": 40, "second": 32}
